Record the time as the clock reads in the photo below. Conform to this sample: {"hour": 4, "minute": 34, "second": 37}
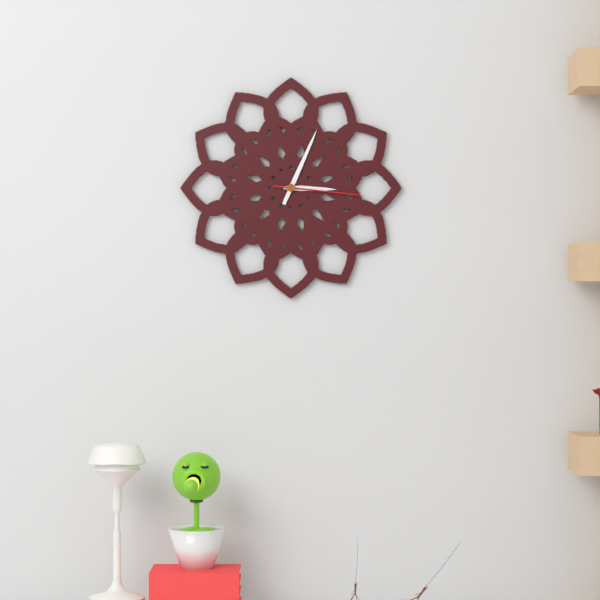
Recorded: {"hour": 3, "minute": 4, "second": 16}
